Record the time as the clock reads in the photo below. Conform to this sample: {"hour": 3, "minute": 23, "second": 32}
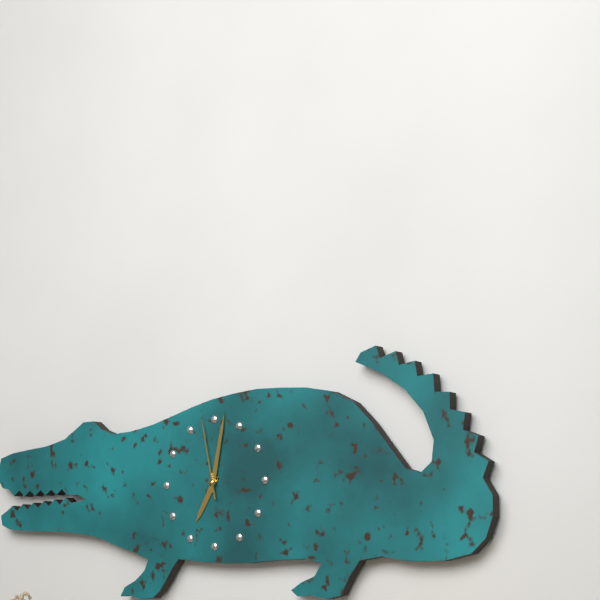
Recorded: {"hour": 7, "minute": 2, "second": 58}
